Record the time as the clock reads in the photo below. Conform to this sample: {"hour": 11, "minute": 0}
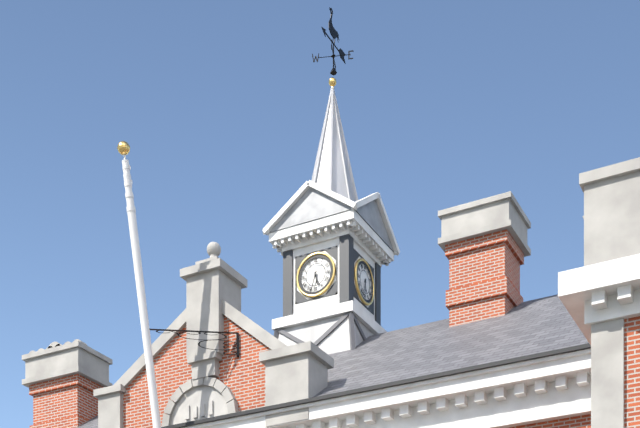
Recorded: {"hour": 5, "minute": 33}
